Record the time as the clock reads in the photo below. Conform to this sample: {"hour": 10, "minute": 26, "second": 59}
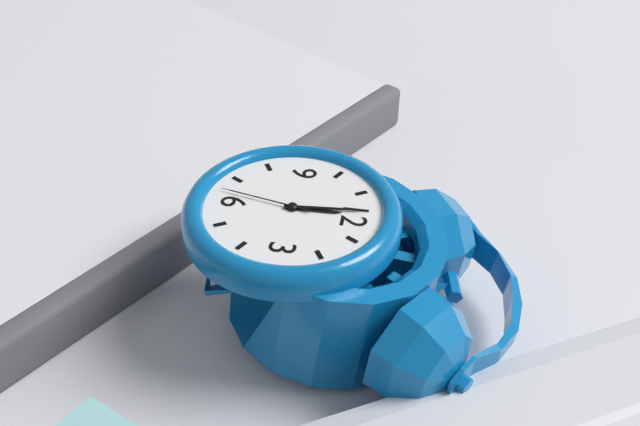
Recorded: {"hour": 11, "minute": 59, "second": 32}
